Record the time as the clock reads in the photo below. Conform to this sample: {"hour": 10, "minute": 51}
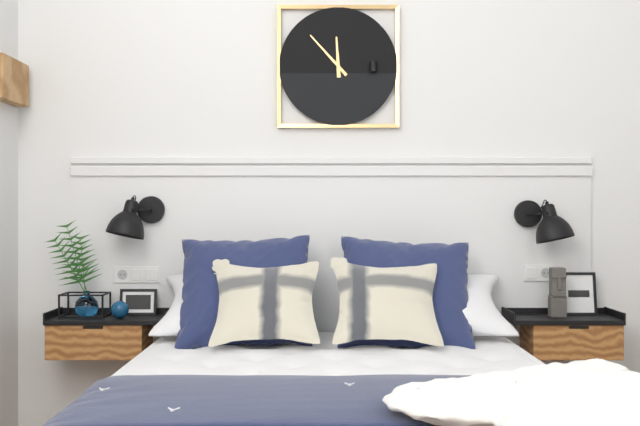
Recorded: {"hour": 11, "minute": 53}
